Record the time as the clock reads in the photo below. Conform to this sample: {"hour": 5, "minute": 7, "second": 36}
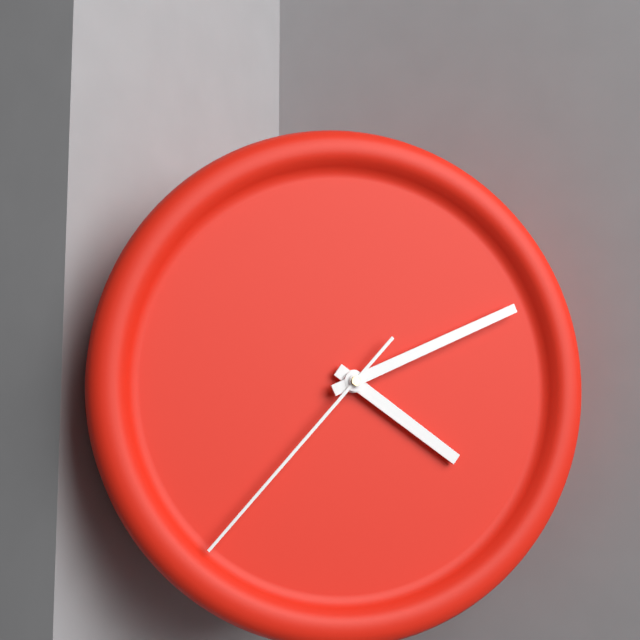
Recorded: {"hour": 4, "minute": 11, "second": 37}
